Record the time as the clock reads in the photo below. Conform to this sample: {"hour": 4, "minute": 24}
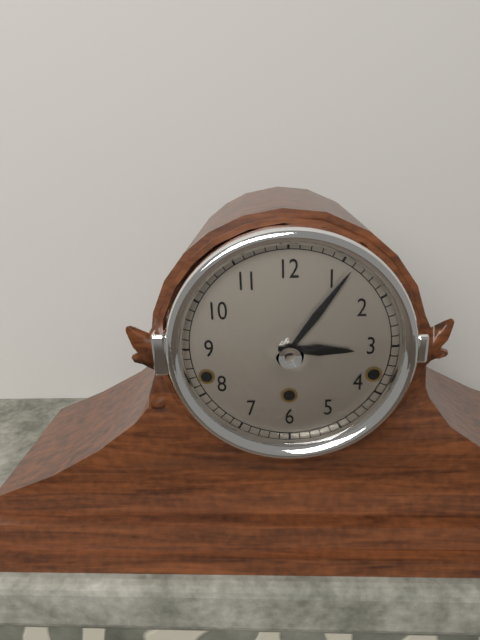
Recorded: {"hour": 3, "minute": 6}
